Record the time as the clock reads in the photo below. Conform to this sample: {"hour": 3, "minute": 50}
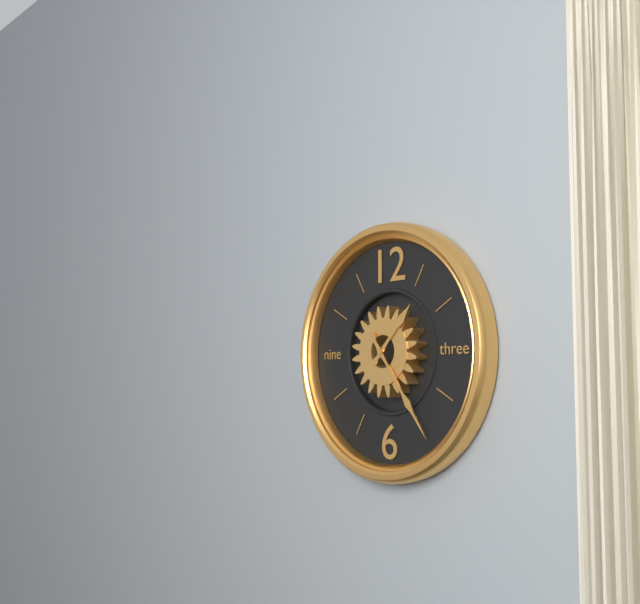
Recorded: {"hour": 1, "minute": 24}
